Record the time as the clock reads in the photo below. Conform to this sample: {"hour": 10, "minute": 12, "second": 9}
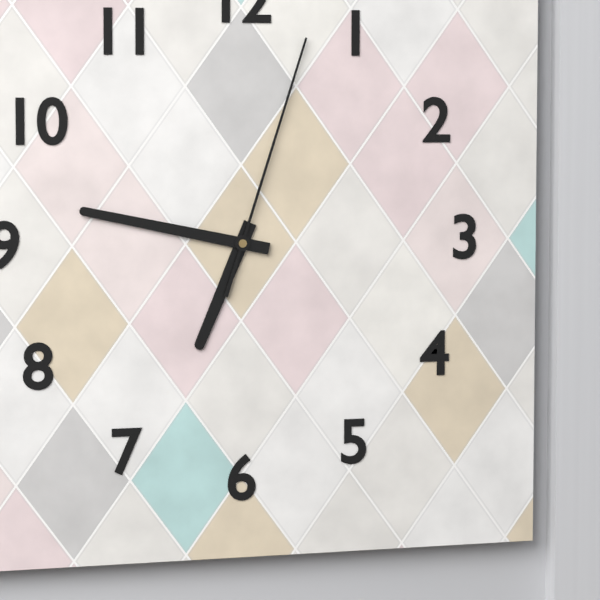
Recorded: {"hour": 6, "minute": 47, "second": 3}
